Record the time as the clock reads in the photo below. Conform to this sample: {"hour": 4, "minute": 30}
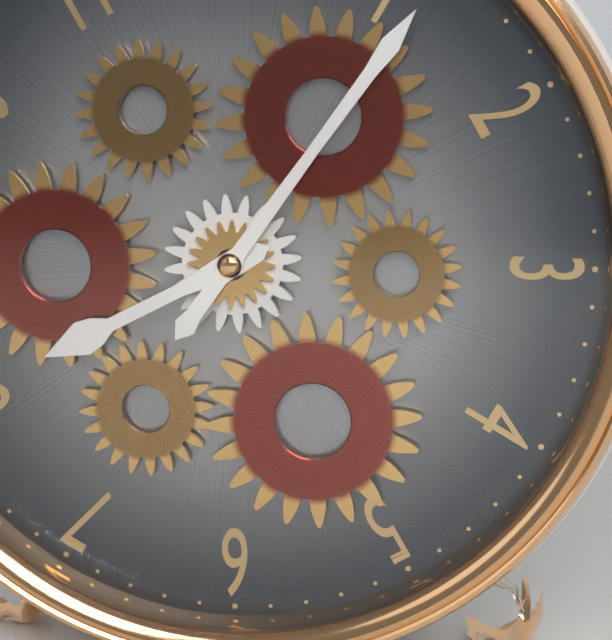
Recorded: {"hour": 8, "minute": 6}
